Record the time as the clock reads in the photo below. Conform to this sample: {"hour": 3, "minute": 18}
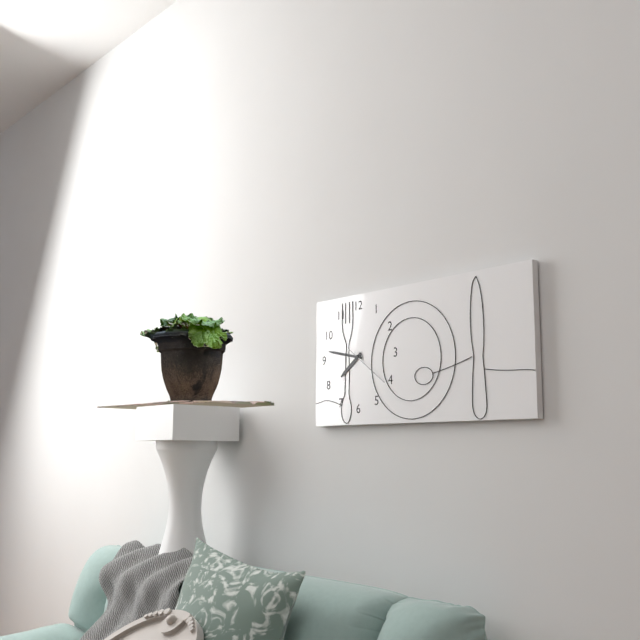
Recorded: {"hour": 7, "minute": 47}
